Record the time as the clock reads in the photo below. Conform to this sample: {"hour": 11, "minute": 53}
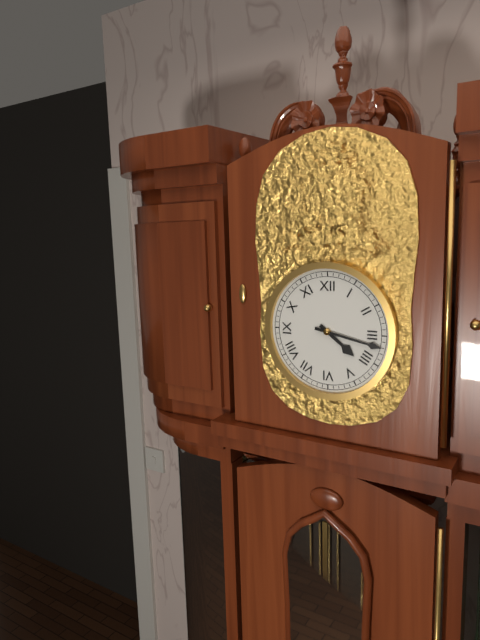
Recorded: {"hour": 4, "minute": 17}
